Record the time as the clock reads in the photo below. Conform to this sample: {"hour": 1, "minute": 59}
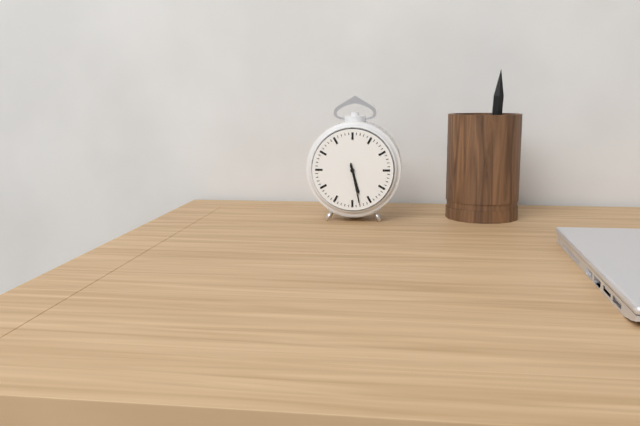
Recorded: {"hour": 5, "minute": 28}
